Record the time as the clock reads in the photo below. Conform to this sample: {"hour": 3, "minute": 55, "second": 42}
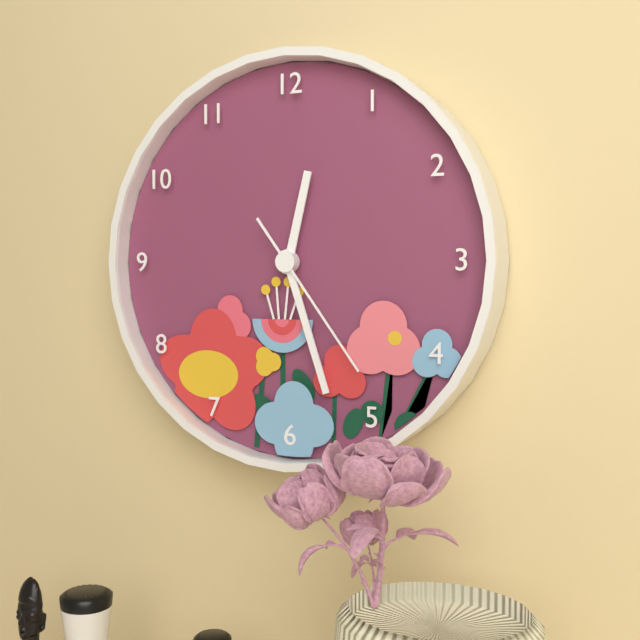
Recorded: {"hour": 12, "minute": 27, "second": 24}
